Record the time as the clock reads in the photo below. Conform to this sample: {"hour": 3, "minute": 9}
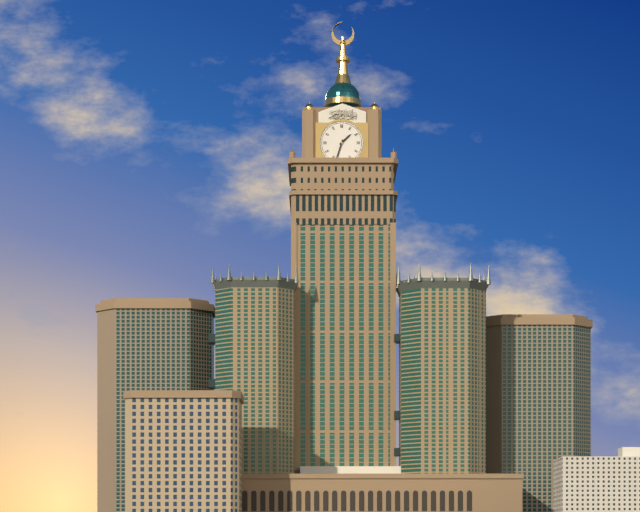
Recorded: {"hour": 1, "minute": 33}
